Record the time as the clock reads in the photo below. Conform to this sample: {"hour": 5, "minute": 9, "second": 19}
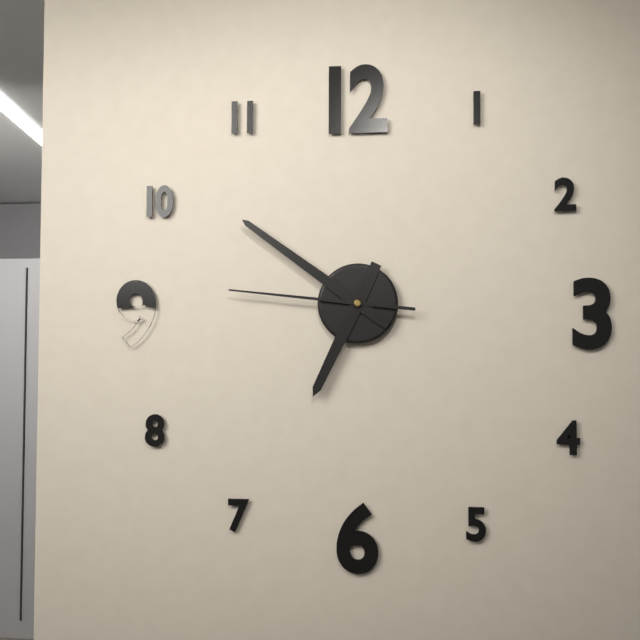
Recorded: {"hour": 6, "minute": 51, "second": 46}
